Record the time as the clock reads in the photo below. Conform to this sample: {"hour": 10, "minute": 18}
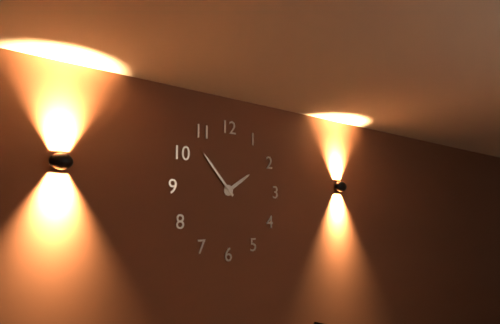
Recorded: {"hour": 1, "minute": 53}
